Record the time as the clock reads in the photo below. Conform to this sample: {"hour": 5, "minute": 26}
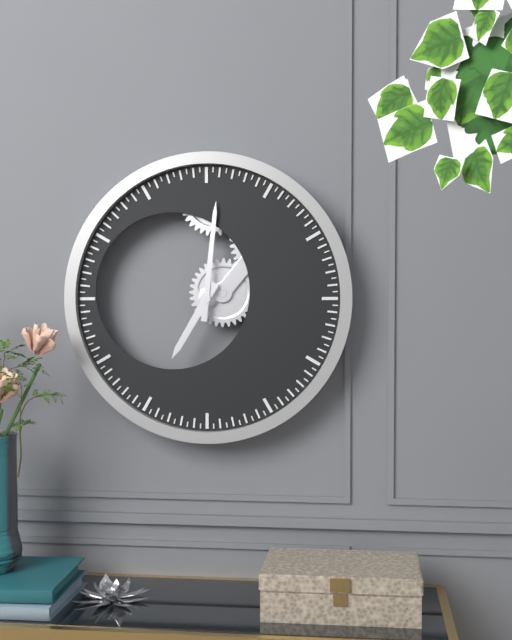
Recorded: {"hour": 7, "minute": 1}
